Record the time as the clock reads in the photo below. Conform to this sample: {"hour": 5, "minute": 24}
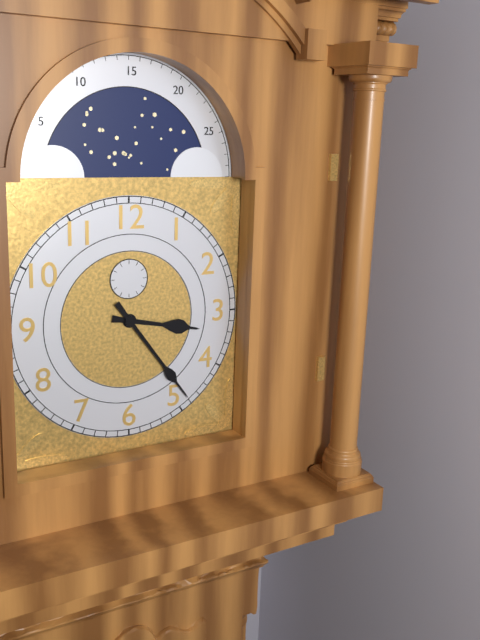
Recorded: {"hour": 3, "minute": 24}
